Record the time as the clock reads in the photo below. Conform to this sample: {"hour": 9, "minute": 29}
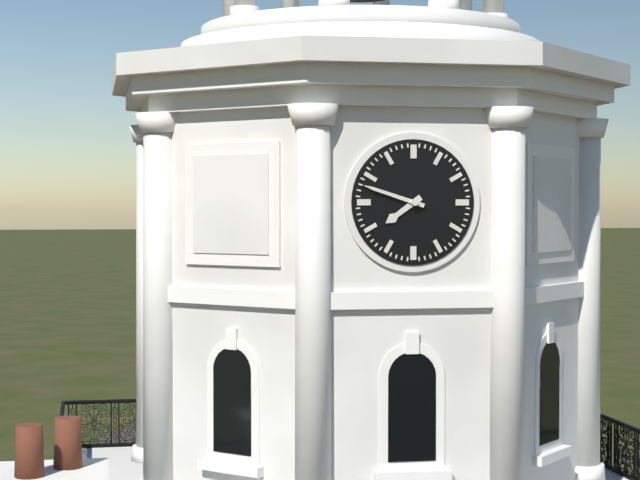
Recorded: {"hour": 7, "minute": 48}
